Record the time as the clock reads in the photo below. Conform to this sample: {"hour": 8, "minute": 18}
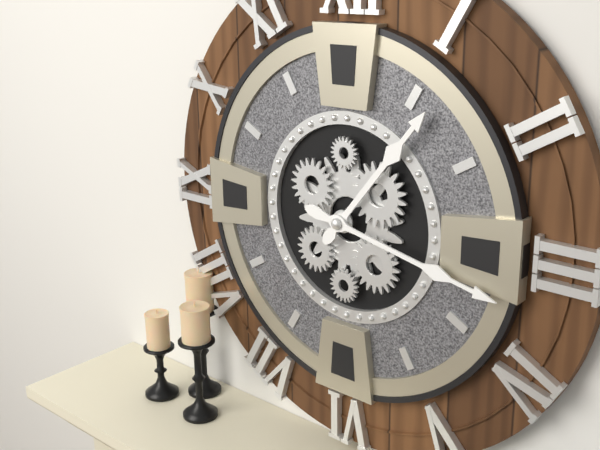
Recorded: {"hour": 1, "minute": 17}
